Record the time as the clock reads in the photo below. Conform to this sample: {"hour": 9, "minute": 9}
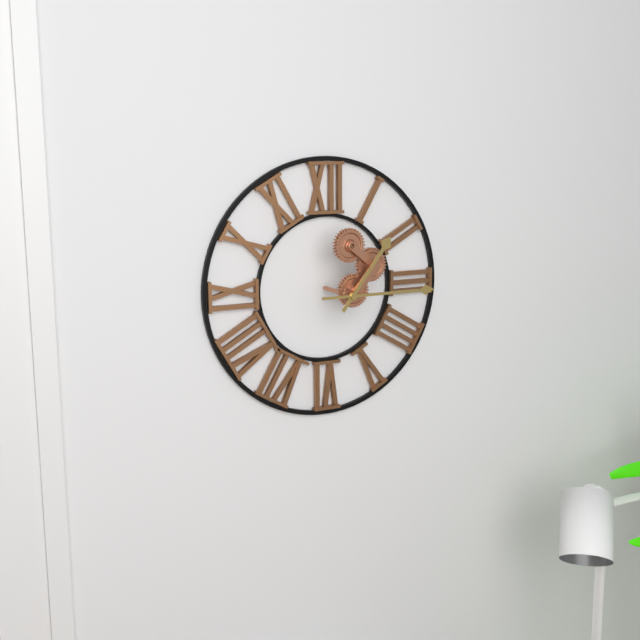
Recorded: {"hour": 1, "minute": 15}
